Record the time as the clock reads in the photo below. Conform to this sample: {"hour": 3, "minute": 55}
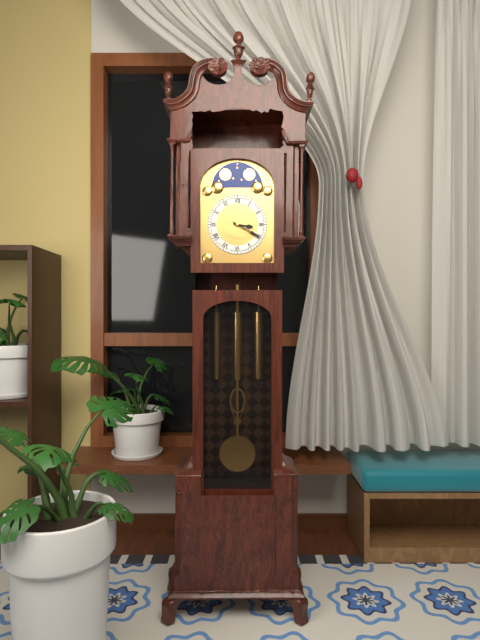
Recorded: {"hour": 3, "minute": 20}
